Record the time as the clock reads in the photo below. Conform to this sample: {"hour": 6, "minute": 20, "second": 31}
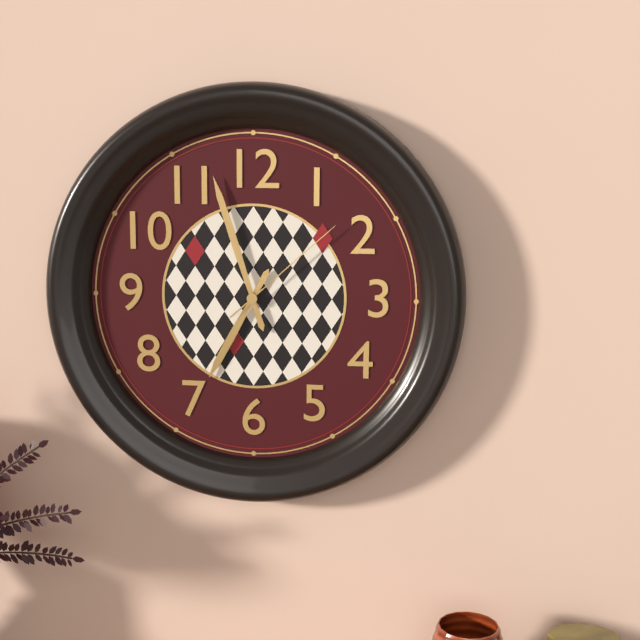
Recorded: {"hour": 6, "minute": 57, "second": 8}
